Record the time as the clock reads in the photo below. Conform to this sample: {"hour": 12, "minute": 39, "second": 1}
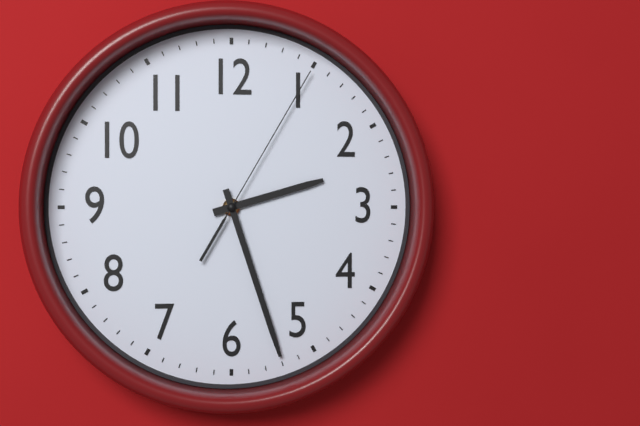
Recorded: {"hour": 2, "minute": 27, "second": 5}
